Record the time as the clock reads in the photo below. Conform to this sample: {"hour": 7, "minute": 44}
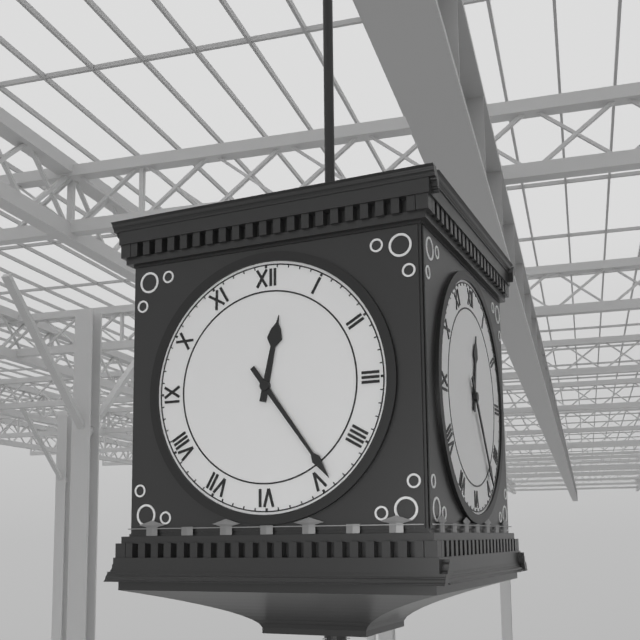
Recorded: {"hour": 12, "minute": 24}
